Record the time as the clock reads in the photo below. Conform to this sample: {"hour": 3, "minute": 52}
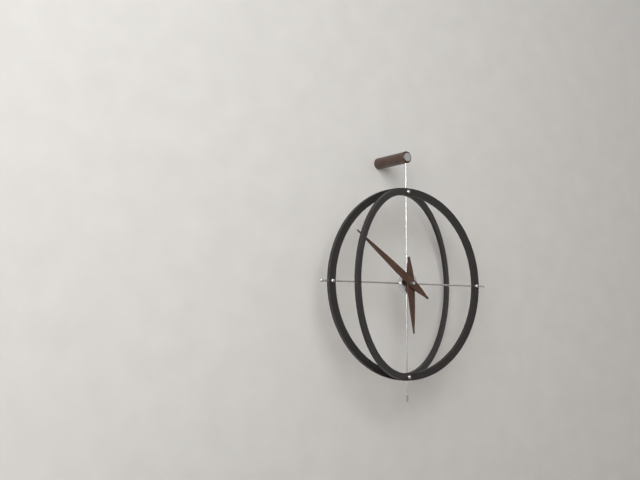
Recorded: {"hour": 5, "minute": 51}
